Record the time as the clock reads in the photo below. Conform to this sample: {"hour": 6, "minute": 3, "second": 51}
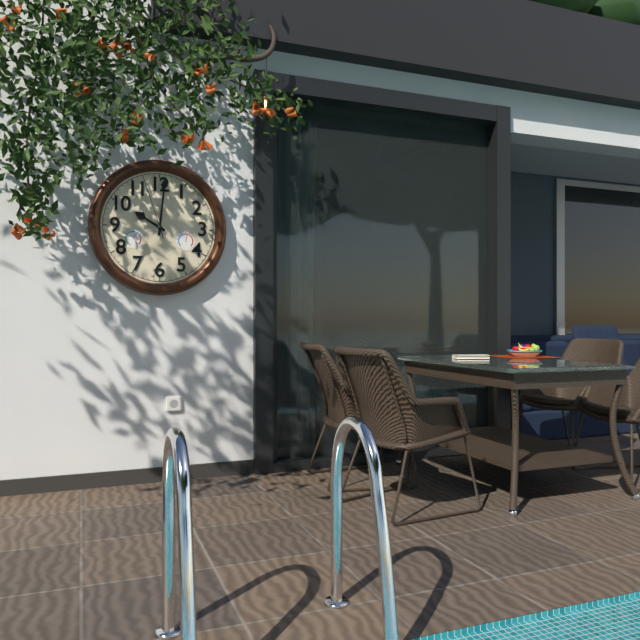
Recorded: {"hour": 10, "minute": 1, "second": 57}
